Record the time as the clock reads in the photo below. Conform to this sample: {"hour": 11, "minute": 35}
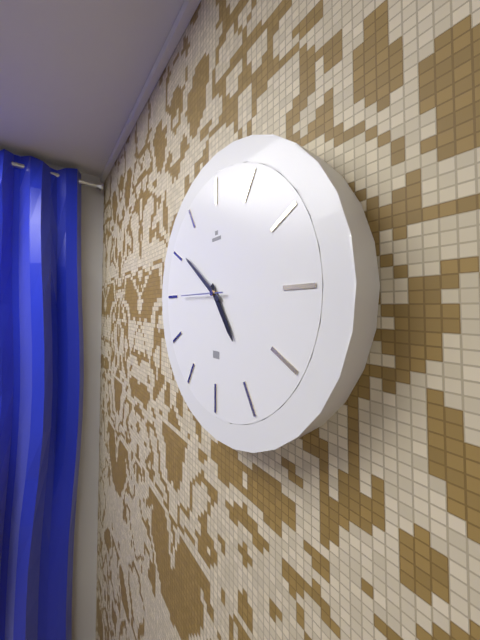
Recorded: {"hour": 4, "minute": 51}
